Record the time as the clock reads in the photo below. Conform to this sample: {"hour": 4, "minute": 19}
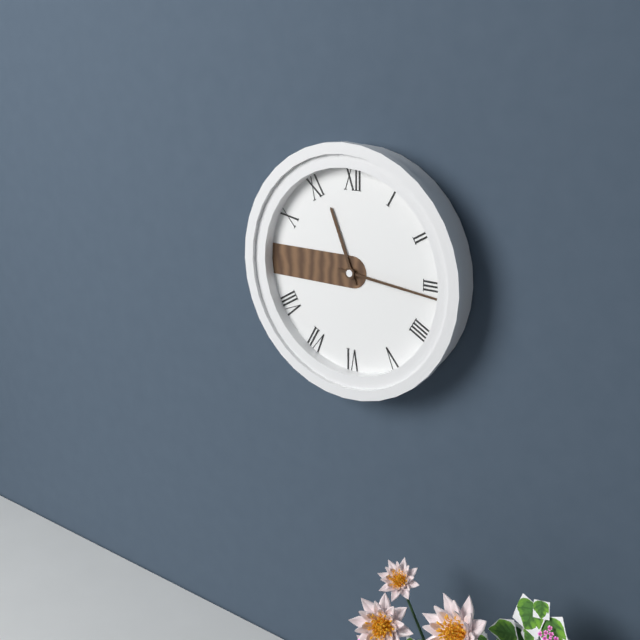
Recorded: {"hour": 11, "minute": 16}
